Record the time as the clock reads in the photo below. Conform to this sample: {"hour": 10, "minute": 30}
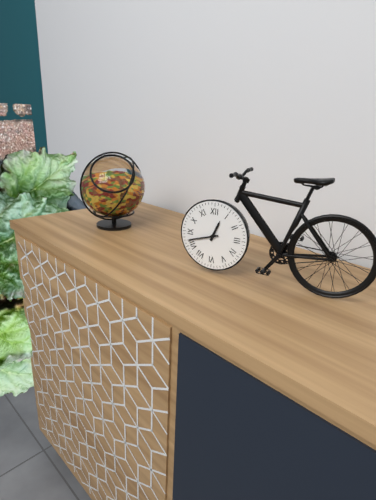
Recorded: {"hour": 12, "minute": 42}
